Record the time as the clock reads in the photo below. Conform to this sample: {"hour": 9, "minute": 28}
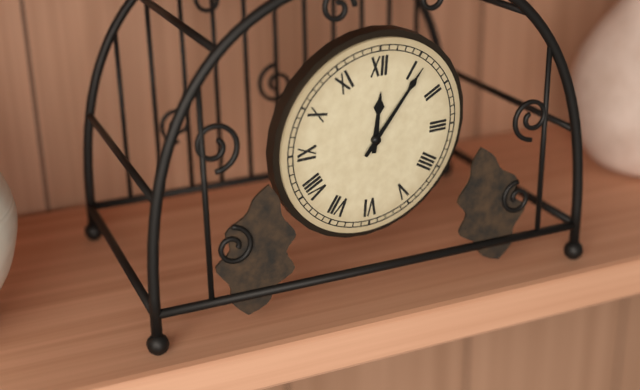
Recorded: {"hour": 12, "minute": 6}
